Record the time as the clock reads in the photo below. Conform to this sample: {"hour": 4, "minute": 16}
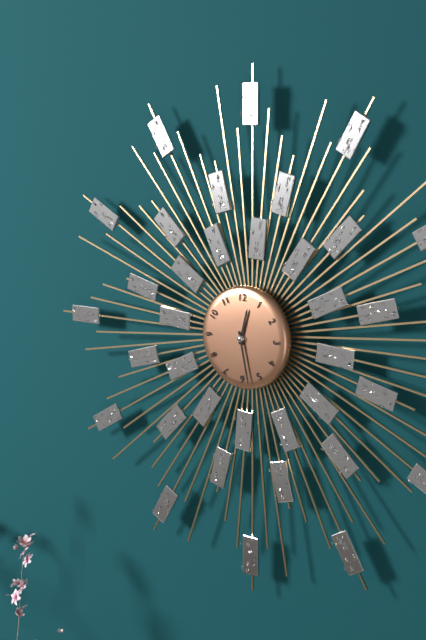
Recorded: {"hour": 12, "minute": 28}
